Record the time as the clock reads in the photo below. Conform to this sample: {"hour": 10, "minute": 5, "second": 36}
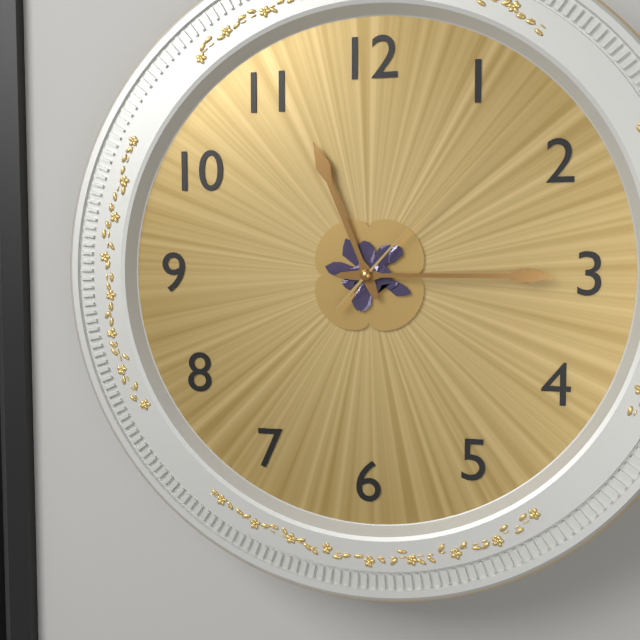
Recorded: {"hour": 11, "minute": 15, "second": 7}
